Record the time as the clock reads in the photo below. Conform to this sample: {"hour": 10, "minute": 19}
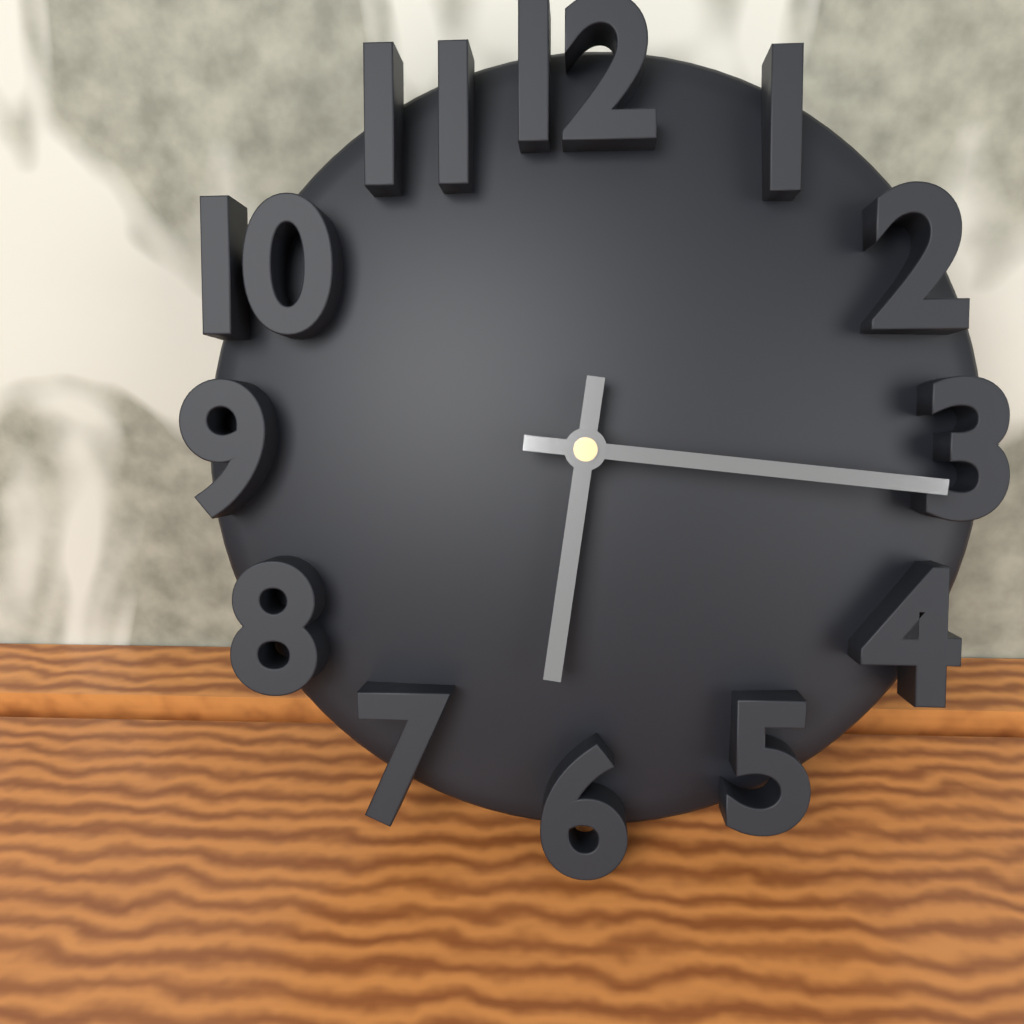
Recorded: {"hour": 6, "minute": 16}
